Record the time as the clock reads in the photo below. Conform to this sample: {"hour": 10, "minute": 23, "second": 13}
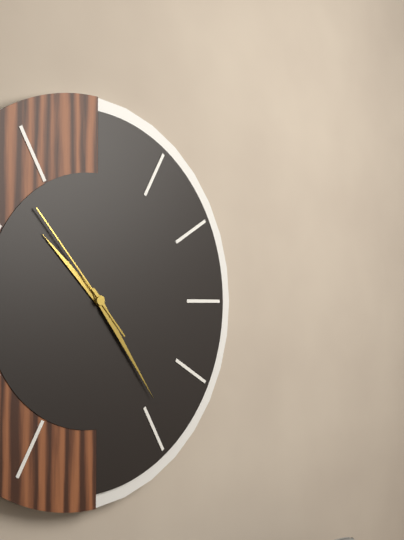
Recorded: {"hour": 10, "minute": 24, "second": 53}
